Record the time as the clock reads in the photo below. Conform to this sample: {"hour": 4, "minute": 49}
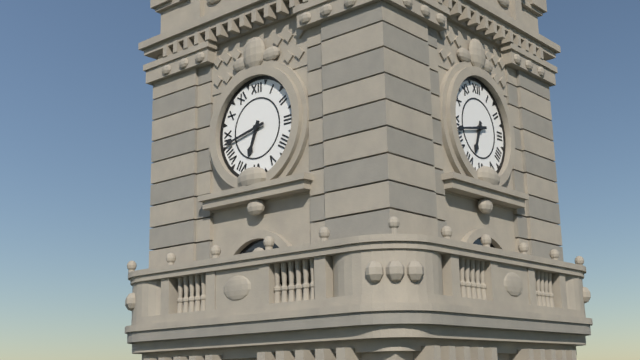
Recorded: {"hour": 6, "minute": 43}
